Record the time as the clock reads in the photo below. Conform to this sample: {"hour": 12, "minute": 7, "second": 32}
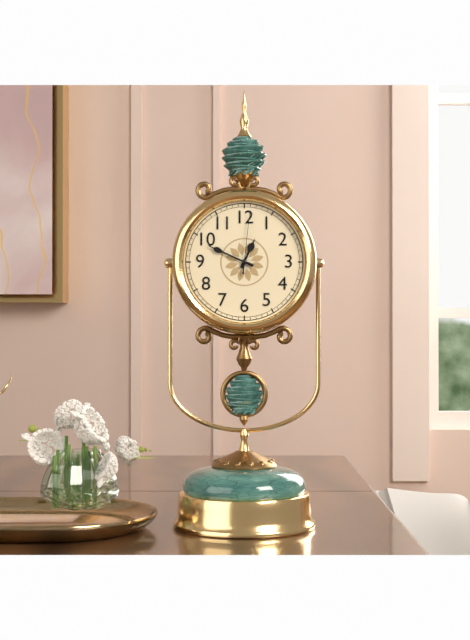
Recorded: {"hour": 12, "minute": 49, "second": 1}
